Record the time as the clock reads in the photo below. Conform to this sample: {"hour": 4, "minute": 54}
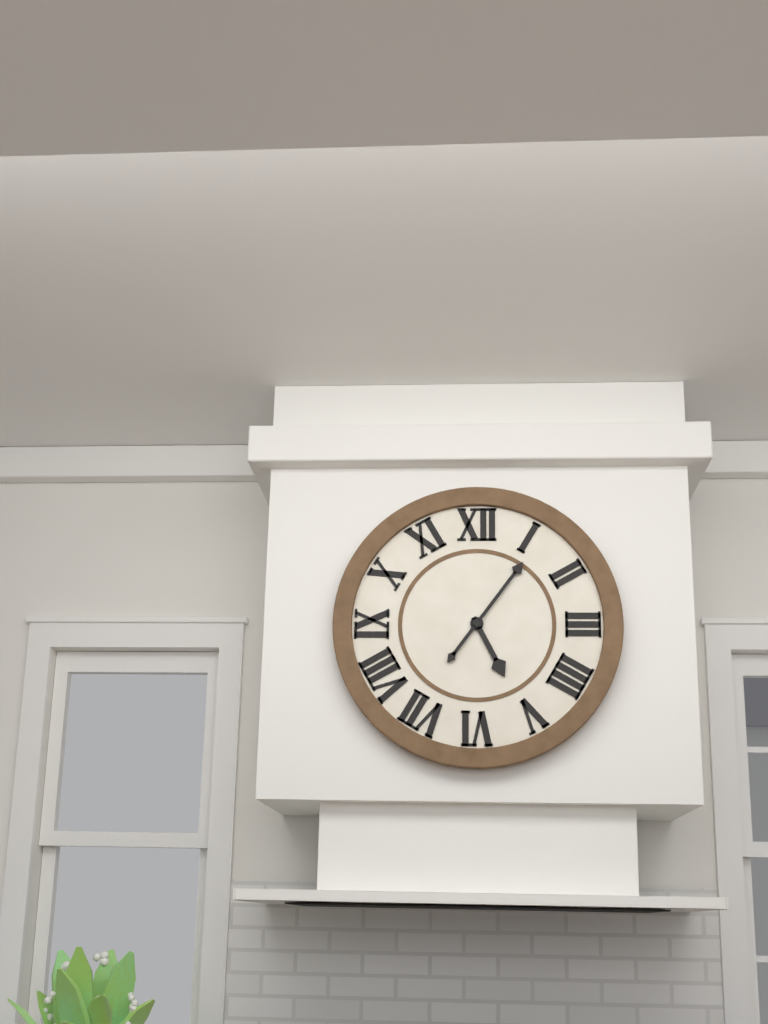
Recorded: {"hour": 5, "minute": 6}
